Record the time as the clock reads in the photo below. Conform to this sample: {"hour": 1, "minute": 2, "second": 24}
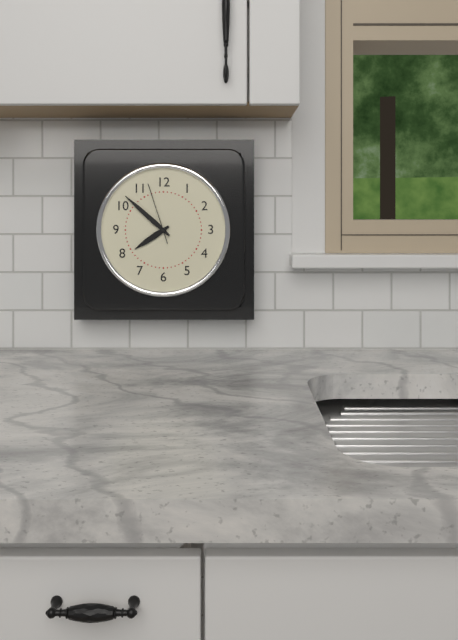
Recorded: {"hour": 7, "minute": 52, "second": 57}
